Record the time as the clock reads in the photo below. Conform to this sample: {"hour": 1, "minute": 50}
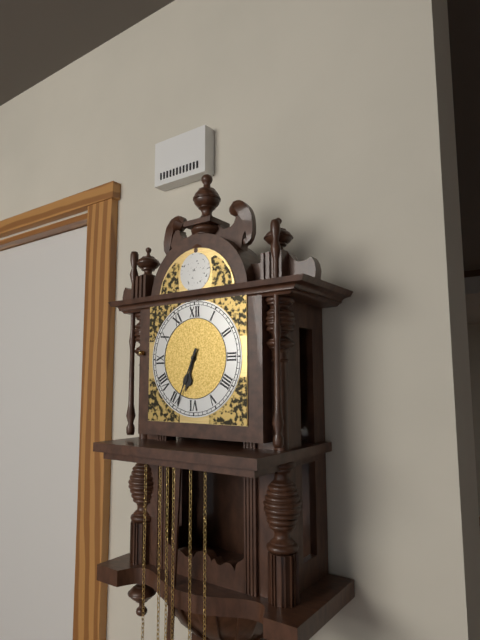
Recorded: {"hour": 6, "minute": 34}
